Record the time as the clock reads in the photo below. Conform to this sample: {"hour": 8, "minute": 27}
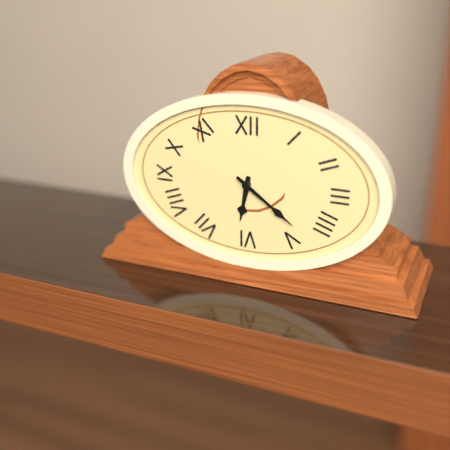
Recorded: {"hour": 6, "minute": 21}
